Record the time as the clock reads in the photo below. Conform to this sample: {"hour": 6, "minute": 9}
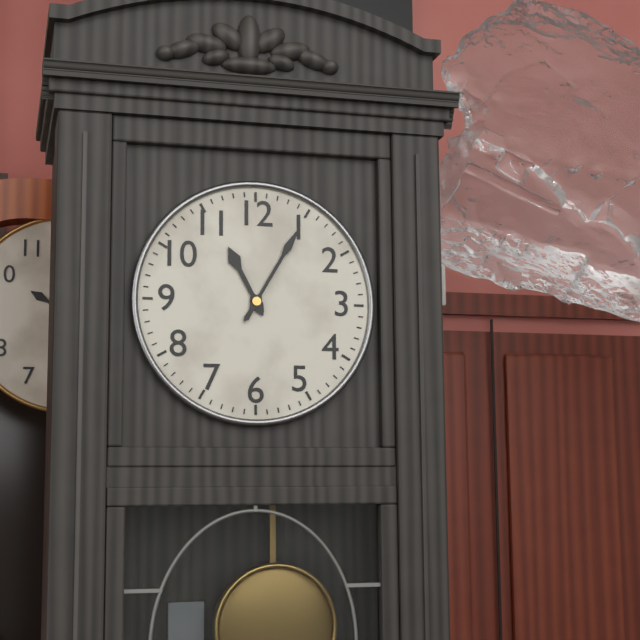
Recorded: {"hour": 11, "minute": 5}
